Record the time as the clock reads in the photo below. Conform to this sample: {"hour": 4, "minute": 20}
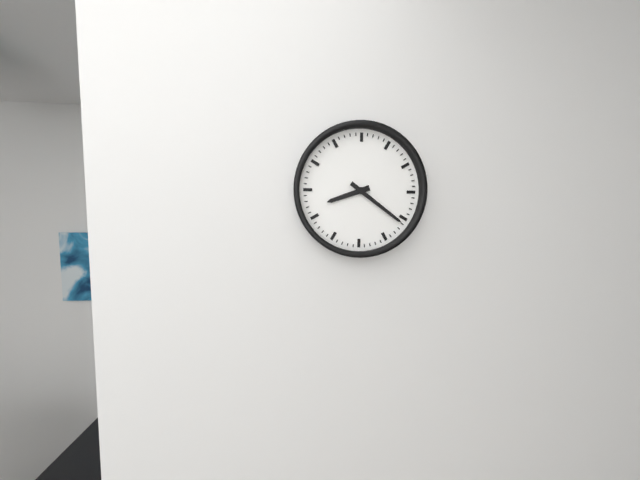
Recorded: {"hour": 8, "minute": 21}
